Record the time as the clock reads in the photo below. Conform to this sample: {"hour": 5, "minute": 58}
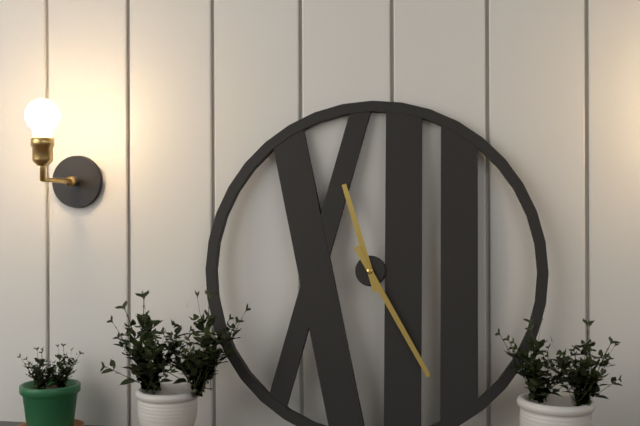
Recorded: {"hour": 11, "minute": 25}
